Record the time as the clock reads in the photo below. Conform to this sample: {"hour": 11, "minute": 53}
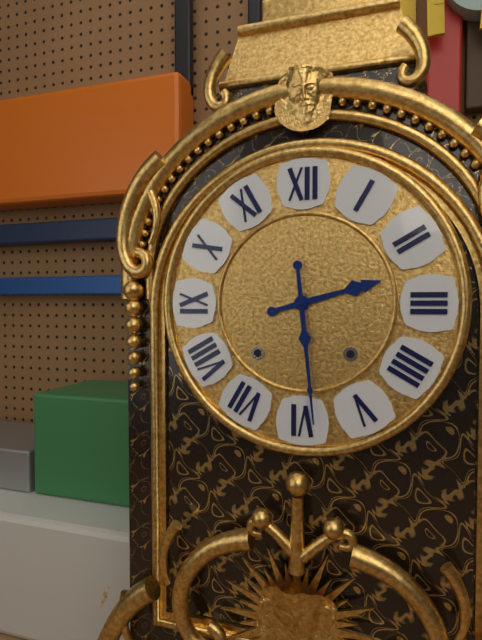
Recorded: {"hour": 2, "minute": 29}
